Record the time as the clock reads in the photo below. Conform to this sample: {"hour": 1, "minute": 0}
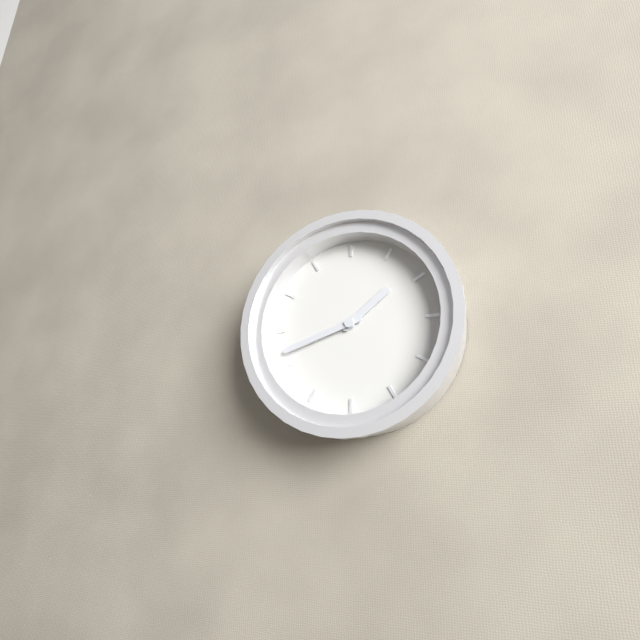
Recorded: {"hour": 1, "minute": 42}
